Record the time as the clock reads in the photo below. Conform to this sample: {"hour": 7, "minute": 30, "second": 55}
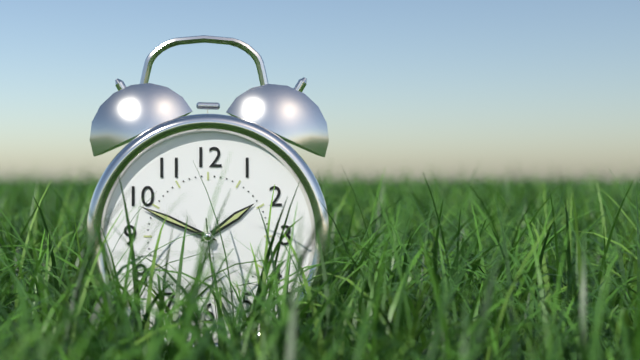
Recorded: {"hour": 1, "minute": 49, "second": 29}
